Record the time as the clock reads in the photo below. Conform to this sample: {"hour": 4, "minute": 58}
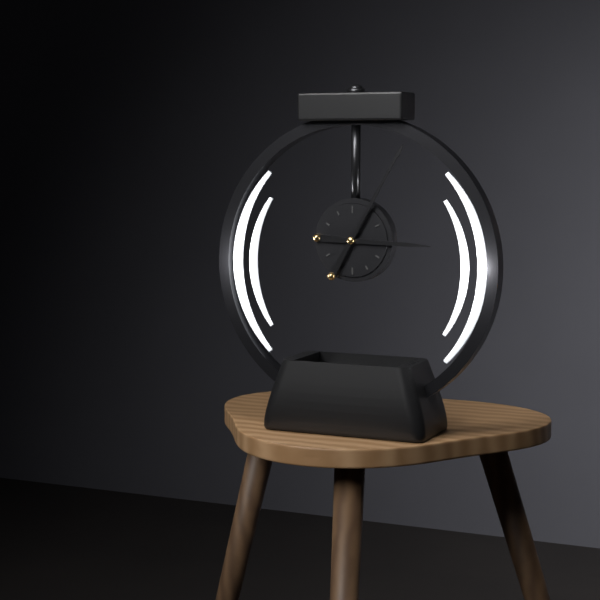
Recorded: {"hour": 3, "minute": 5}
